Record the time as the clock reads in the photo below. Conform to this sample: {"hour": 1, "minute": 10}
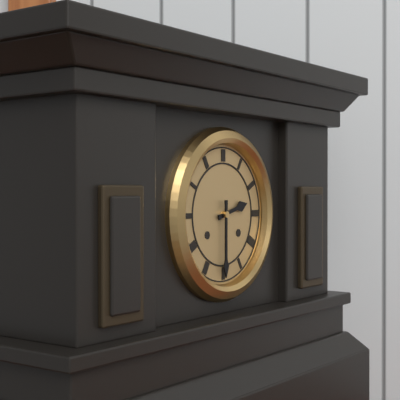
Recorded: {"hour": 2, "minute": 30}
